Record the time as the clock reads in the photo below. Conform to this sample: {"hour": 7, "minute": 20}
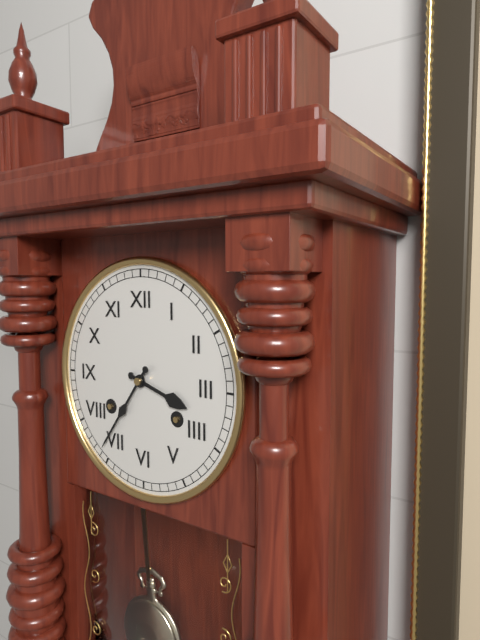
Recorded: {"hour": 3, "minute": 36}
